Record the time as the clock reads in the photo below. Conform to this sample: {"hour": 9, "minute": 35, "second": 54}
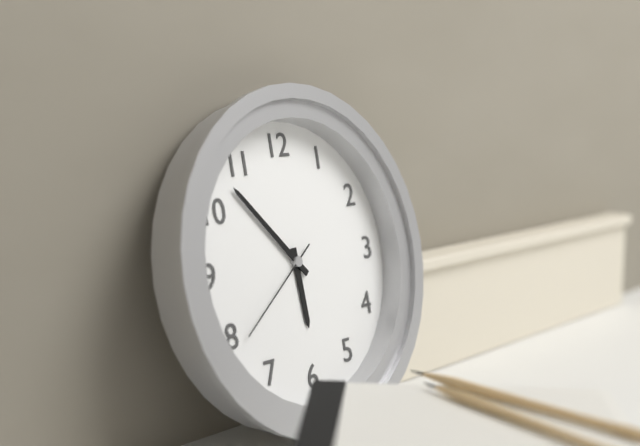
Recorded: {"hour": 5, "minute": 53, "second": 39}
